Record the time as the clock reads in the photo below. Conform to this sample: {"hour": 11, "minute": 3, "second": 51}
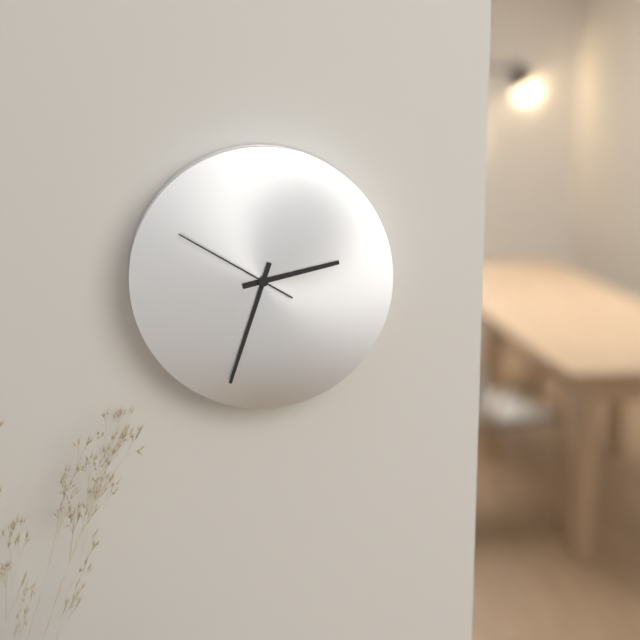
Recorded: {"hour": 2, "minute": 33, "second": 50}
